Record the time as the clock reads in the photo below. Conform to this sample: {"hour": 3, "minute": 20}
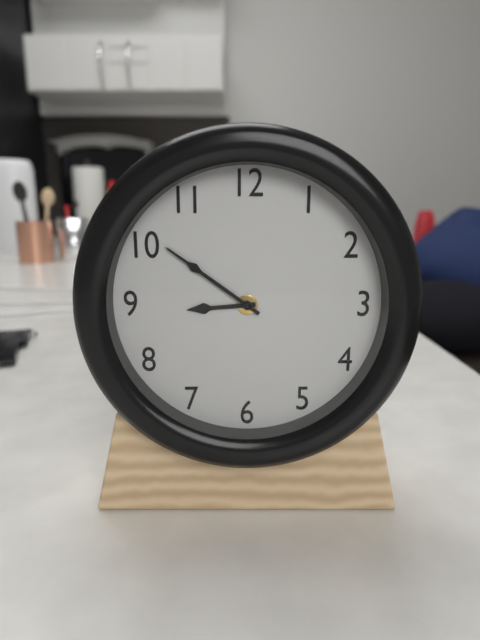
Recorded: {"hour": 8, "minute": 51}
